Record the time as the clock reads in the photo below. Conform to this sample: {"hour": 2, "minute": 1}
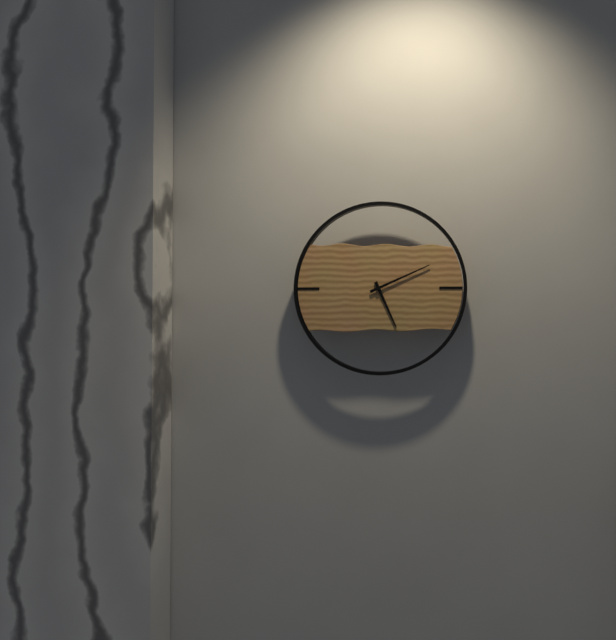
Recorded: {"hour": 5, "minute": 11}
